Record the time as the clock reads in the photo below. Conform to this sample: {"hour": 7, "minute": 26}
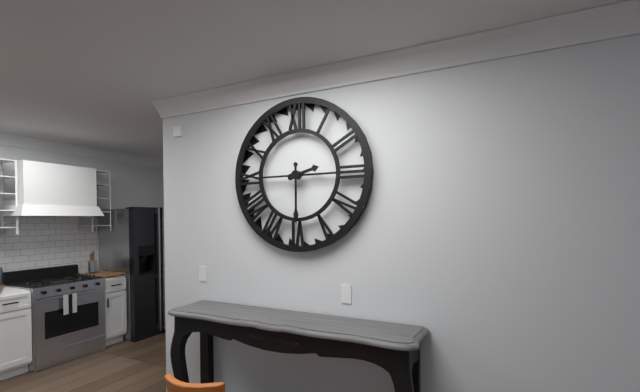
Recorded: {"hour": 2, "minute": 30}
